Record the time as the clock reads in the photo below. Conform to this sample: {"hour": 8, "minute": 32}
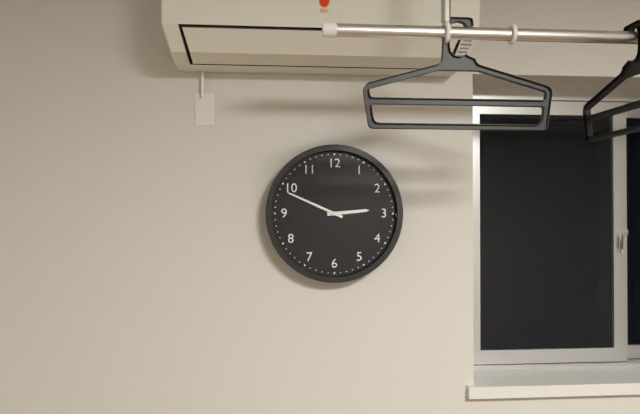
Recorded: {"hour": 2, "minute": 49}
